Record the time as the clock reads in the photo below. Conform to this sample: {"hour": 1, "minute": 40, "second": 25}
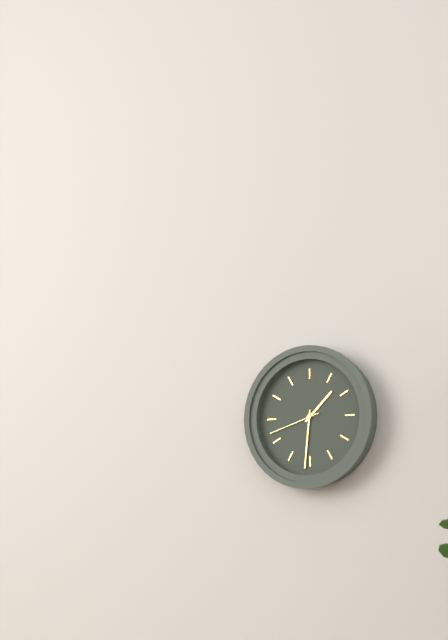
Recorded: {"hour": 1, "minute": 31, "second": 42}
